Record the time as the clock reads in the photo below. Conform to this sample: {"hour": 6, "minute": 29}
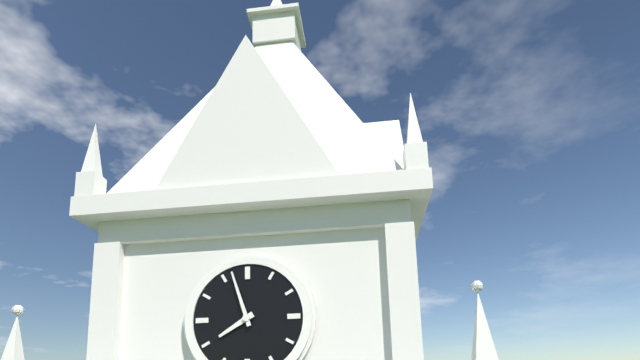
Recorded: {"hour": 7, "minute": 57}
